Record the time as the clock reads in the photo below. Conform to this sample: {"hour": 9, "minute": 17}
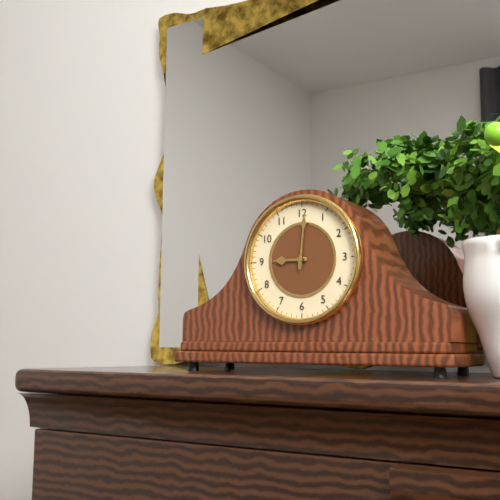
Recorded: {"hour": 9, "minute": 1}
